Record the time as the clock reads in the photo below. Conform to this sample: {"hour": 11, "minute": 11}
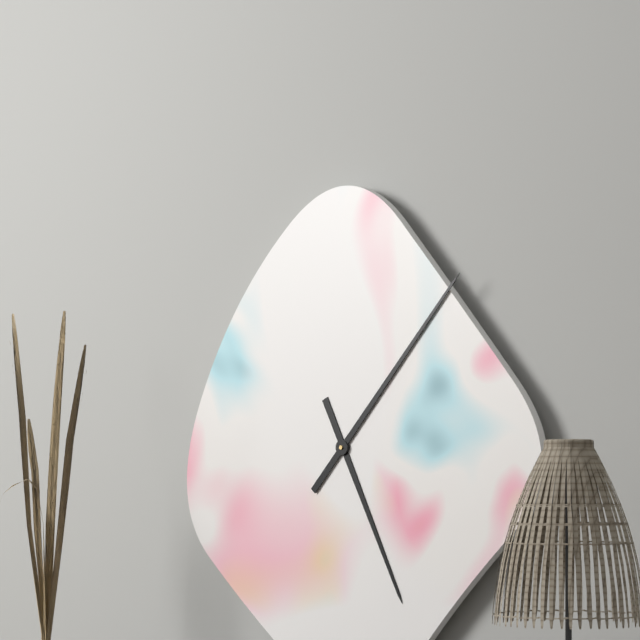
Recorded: {"hour": 5, "minute": 7}
